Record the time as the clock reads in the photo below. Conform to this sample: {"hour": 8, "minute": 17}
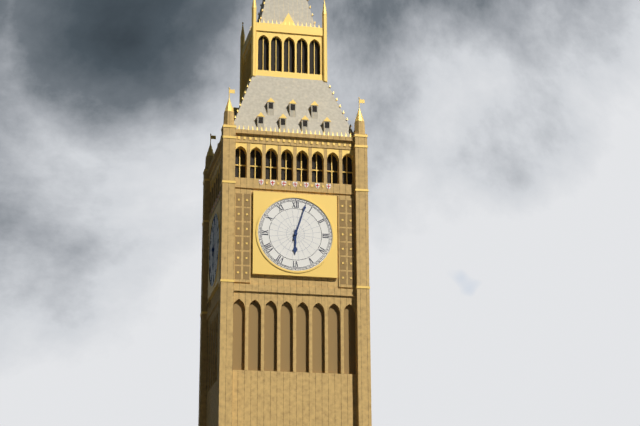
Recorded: {"hour": 6, "minute": 3}
